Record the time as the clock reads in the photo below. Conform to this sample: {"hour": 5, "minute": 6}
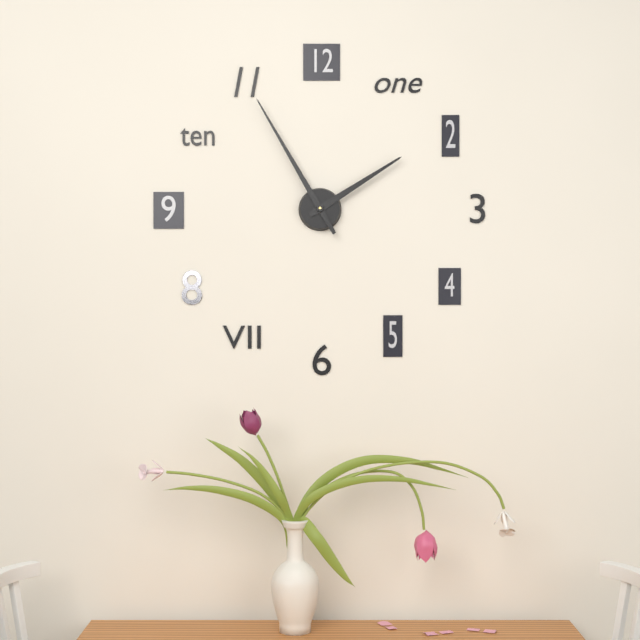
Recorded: {"hour": 1, "minute": 55}
